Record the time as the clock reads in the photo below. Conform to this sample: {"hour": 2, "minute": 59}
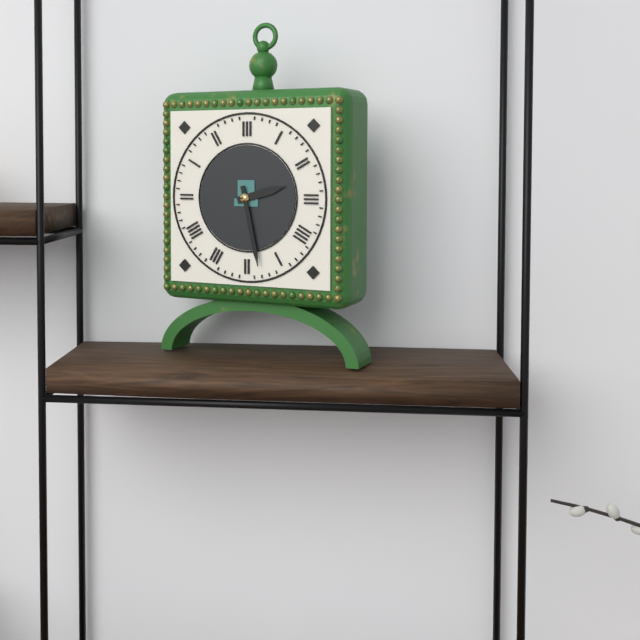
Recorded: {"hour": 2, "minute": 28}
